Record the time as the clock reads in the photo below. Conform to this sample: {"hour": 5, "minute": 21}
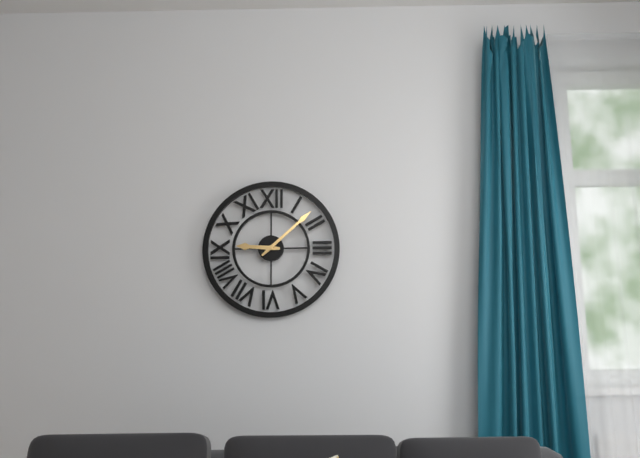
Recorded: {"hour": 9, "minute": 8}
